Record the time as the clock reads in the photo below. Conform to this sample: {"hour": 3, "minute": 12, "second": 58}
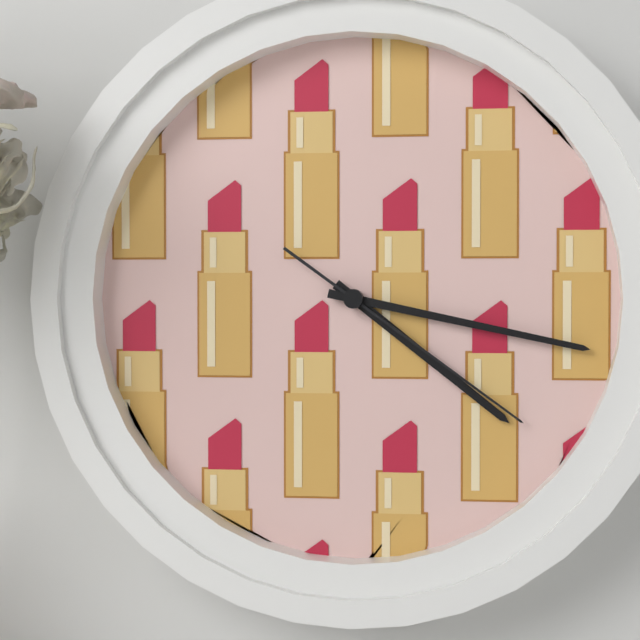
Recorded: {"hour": 4, "minute": 17, "second": 21}
